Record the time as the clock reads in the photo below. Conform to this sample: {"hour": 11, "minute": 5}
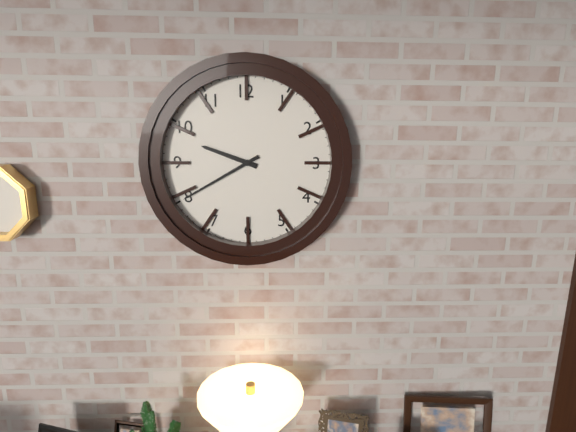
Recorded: {"hour": 9, "minute": 40}
